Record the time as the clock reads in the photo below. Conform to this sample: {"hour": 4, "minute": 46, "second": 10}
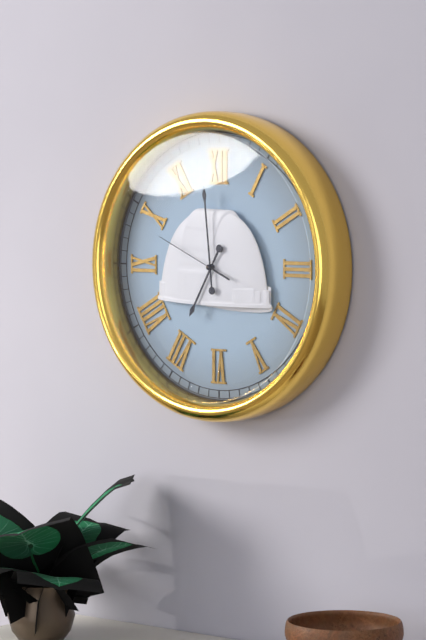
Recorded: {"hour": 6, "minute": 59, "second": 49}
